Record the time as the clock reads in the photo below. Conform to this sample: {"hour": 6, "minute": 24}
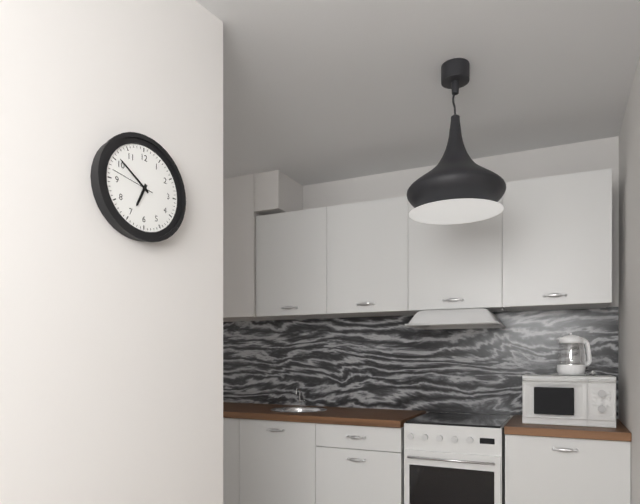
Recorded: {"hour": 6, "minute": 51}
